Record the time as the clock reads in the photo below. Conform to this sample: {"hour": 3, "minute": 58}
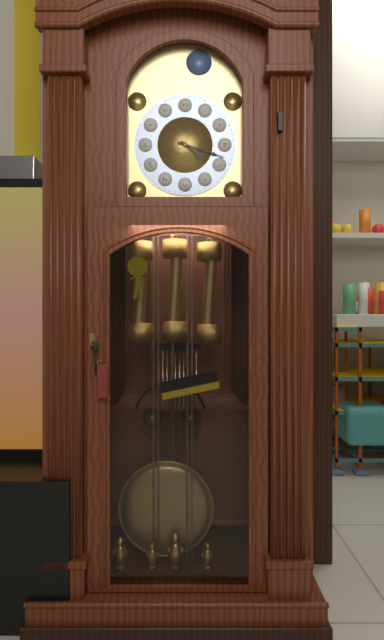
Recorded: {"hour": 4, "minute": 18}
